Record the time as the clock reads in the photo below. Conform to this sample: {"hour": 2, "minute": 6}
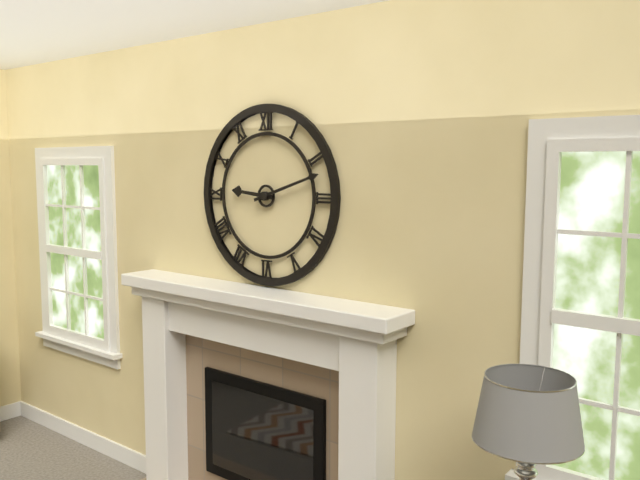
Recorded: {"hour": 9, "minute": 12}
